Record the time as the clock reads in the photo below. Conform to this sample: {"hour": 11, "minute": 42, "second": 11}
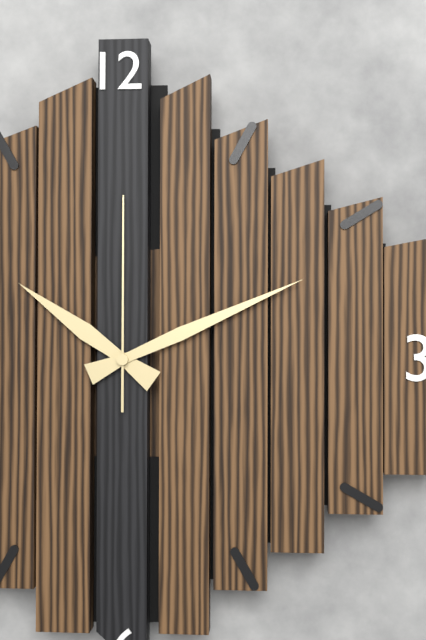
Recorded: {"hour": 10, "minute": 11, "second": 0}
